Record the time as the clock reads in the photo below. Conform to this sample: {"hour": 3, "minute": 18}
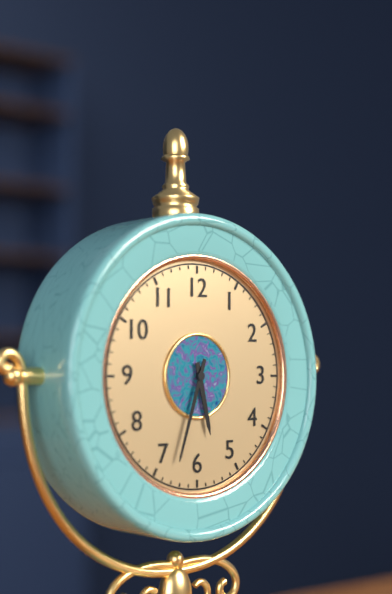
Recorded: {"hour": 5, "minute": 33}
